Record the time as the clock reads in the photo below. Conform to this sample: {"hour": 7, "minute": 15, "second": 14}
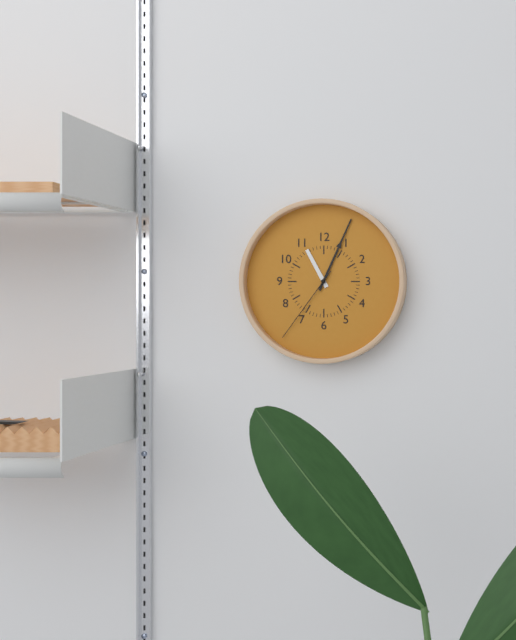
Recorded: {"hour": 11, "minute": 4, "second": 36}
